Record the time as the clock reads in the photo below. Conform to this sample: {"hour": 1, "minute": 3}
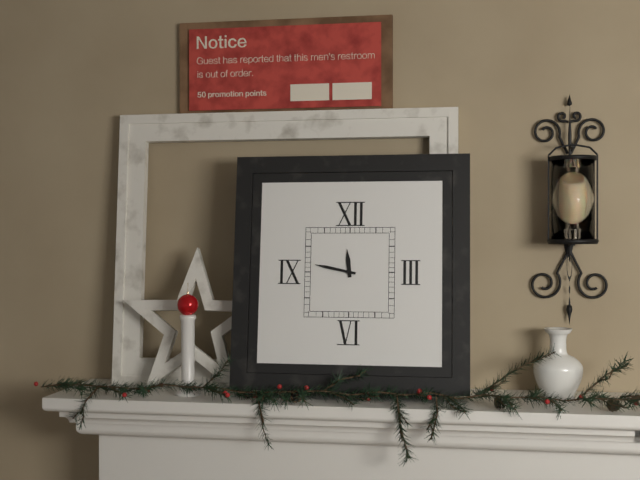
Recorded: {"hour": 11, "minute": 47}
